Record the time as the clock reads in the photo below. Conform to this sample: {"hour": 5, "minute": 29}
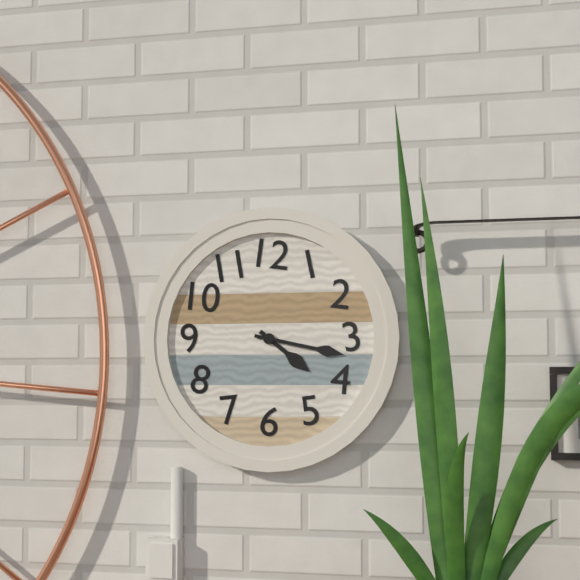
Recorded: {"hour": 4, "minute": 17}
